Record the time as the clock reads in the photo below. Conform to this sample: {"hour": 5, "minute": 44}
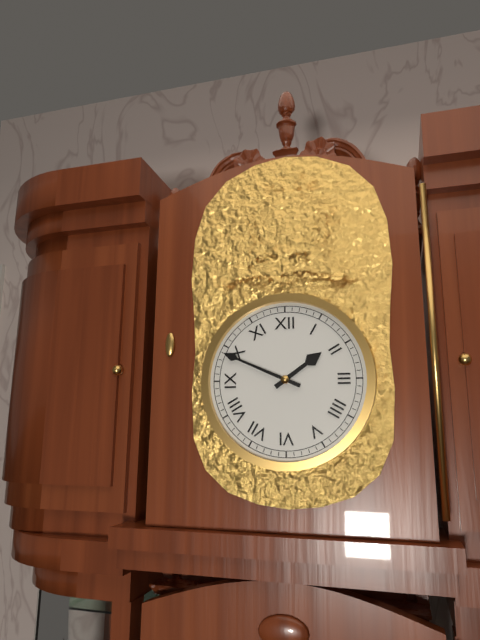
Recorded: {"hour": 1, "minute": 49}
